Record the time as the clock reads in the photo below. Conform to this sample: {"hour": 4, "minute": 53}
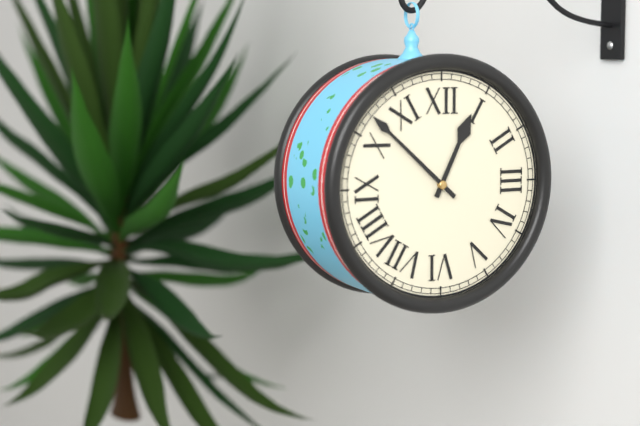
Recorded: {"hour": 12, "minute": 52}
